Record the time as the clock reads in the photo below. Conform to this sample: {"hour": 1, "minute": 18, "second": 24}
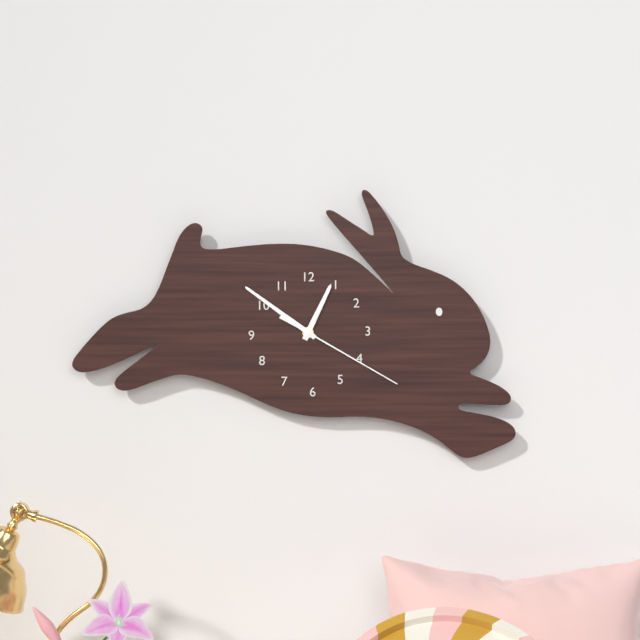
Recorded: {"hour": 12, "minute": 51, "second": 20}
